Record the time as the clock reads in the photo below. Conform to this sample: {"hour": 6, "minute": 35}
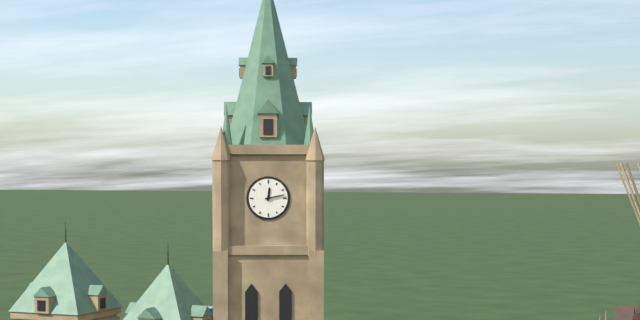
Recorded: {"hour": 12, "minute": 13}
